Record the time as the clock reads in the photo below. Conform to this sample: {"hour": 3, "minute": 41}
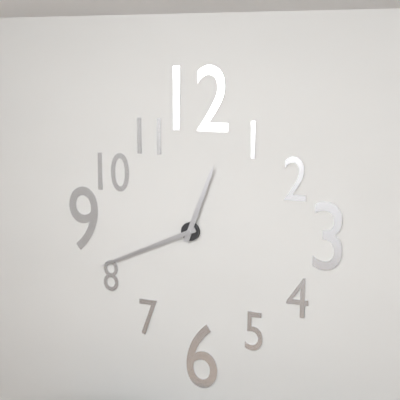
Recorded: {"hour": 12, "minute": 41}
